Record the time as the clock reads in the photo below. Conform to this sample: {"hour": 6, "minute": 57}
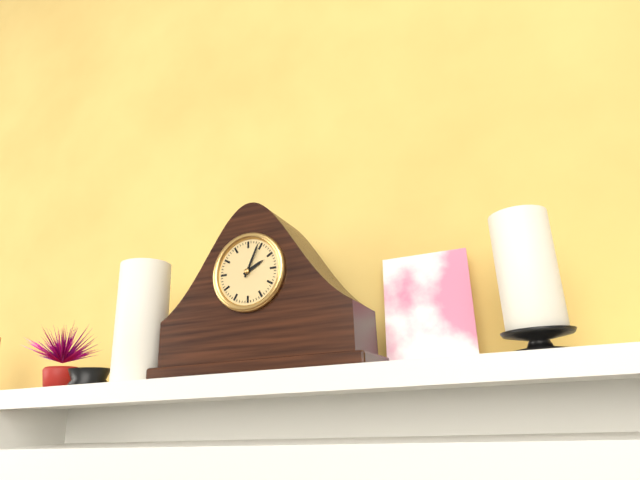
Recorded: {"hour": 2, "minute": 4}
